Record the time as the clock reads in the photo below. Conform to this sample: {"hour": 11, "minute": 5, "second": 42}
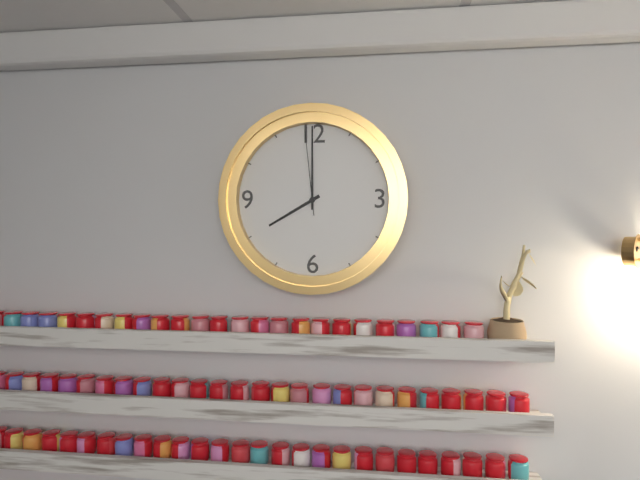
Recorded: {"hour": 8, "minute": 0, "second": 59}
